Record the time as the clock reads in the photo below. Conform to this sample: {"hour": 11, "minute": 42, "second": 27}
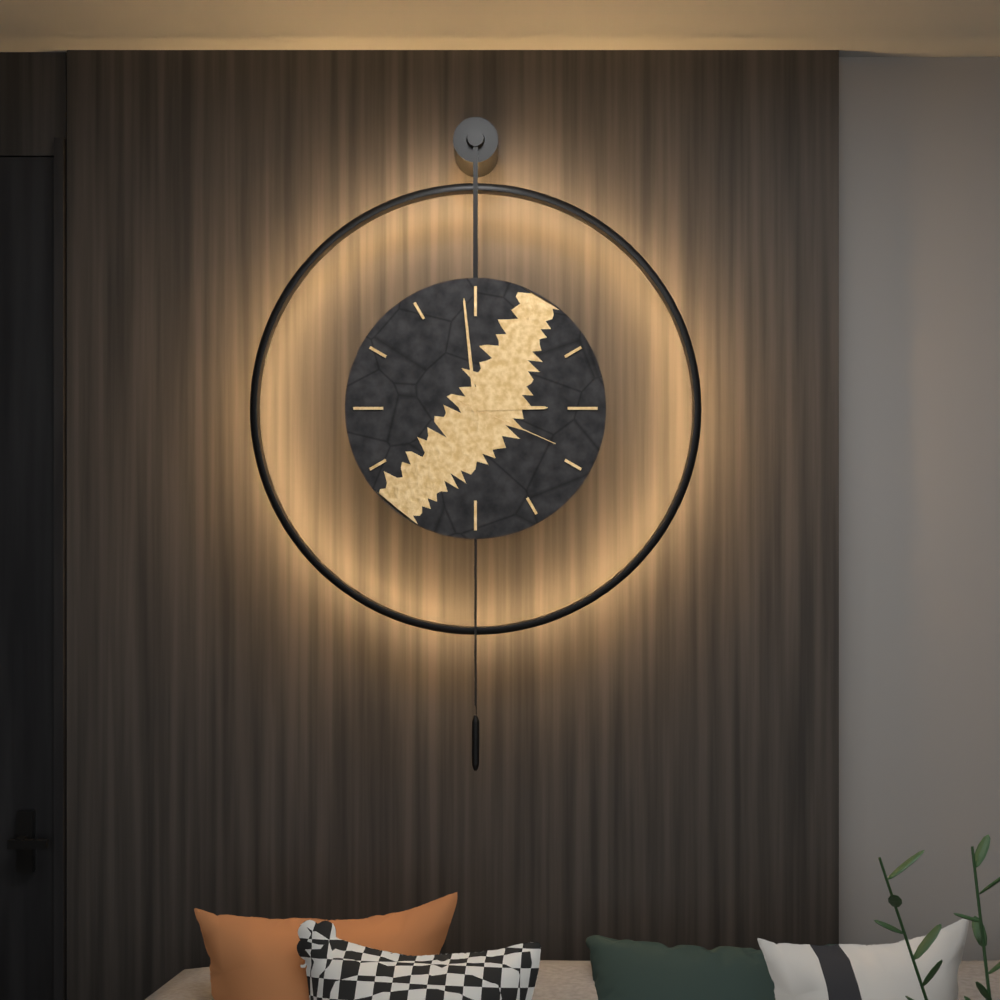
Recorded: {"hour": 2, "minute": 59, "second": 19}
